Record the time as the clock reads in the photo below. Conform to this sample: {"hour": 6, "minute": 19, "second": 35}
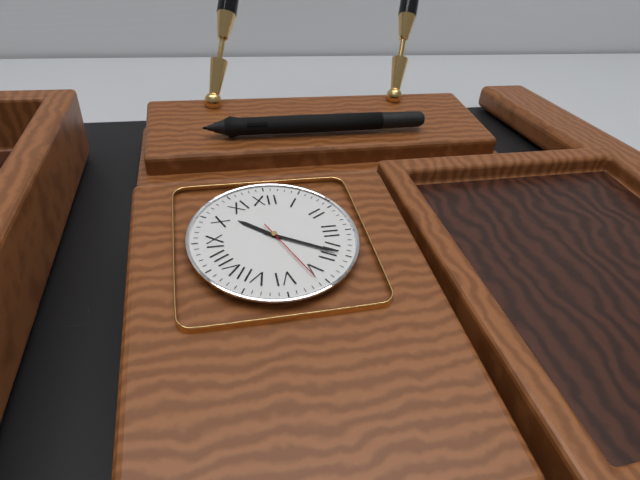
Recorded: {"hour": 10, "minute": 20, "second": 26}
